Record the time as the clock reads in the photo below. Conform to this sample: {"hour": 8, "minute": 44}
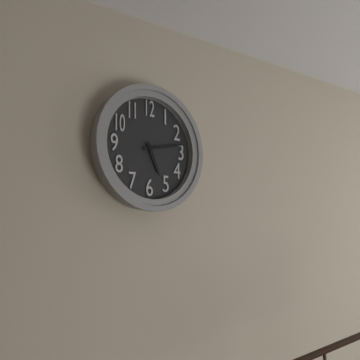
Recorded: {"hour": 5, "minute": 13}
